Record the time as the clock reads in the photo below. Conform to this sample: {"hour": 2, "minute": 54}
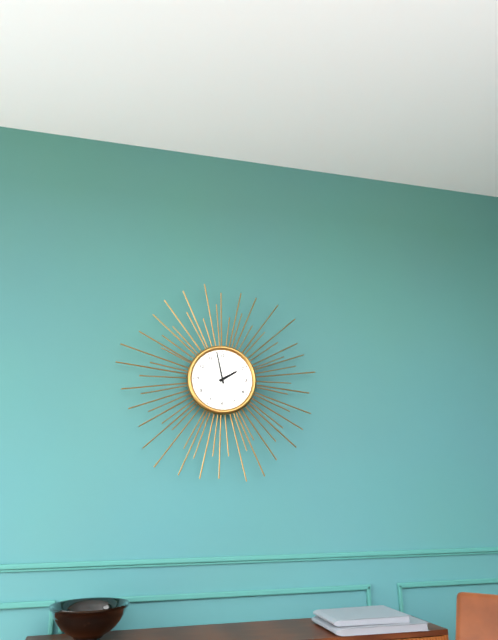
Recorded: {"hour": 1, "minute": 58}
